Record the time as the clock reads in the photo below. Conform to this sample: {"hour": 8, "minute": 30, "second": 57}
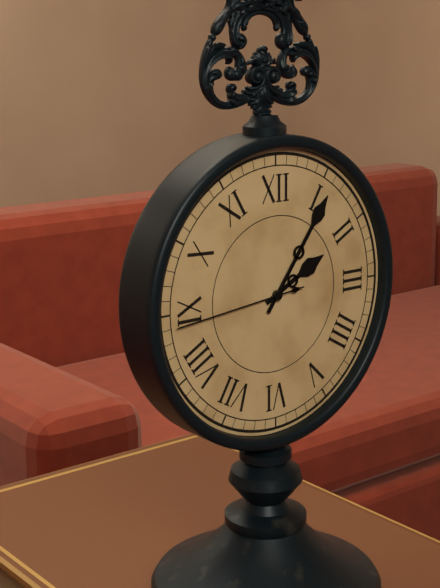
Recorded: {"hour": 2, "minute": 6, "second": 44}
